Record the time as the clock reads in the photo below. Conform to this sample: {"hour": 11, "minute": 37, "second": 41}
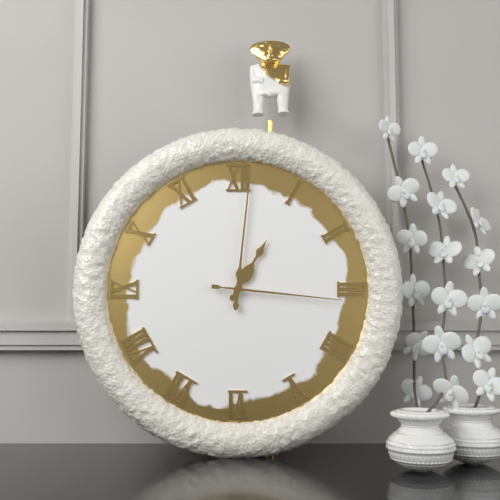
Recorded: {"hour": 1, "minute": 1, "second": 16}
